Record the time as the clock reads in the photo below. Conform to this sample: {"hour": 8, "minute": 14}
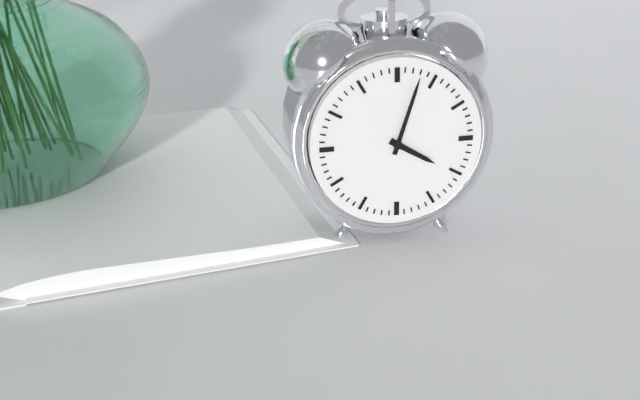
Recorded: {"hour": 4, "minute": 3}
